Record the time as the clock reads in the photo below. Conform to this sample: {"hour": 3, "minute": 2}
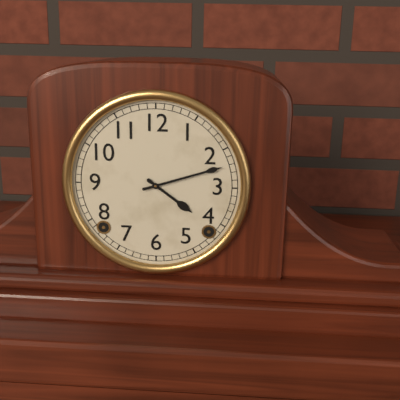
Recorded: {"hour": 4, "minute": 12}
